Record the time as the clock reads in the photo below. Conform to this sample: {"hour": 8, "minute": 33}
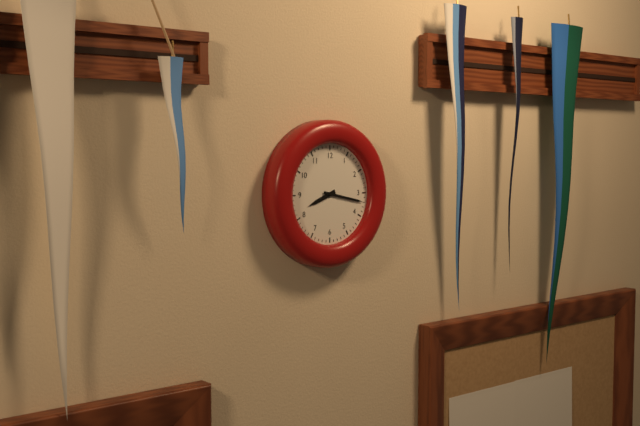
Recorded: {"hour": 8, "minute": 17}
